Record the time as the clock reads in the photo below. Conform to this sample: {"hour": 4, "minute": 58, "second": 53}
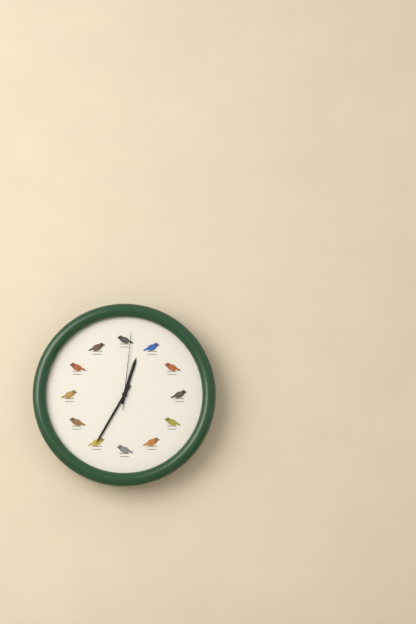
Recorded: {"hour": 12, "minute": 35, "second": 1}
